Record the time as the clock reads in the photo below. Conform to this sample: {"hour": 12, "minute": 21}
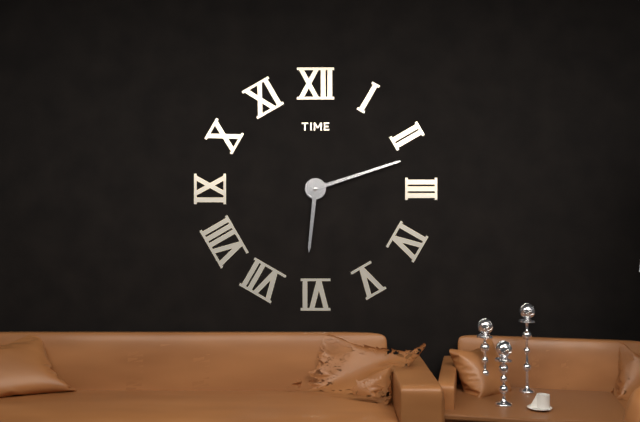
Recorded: {"hour": 6, "minute": 12}
